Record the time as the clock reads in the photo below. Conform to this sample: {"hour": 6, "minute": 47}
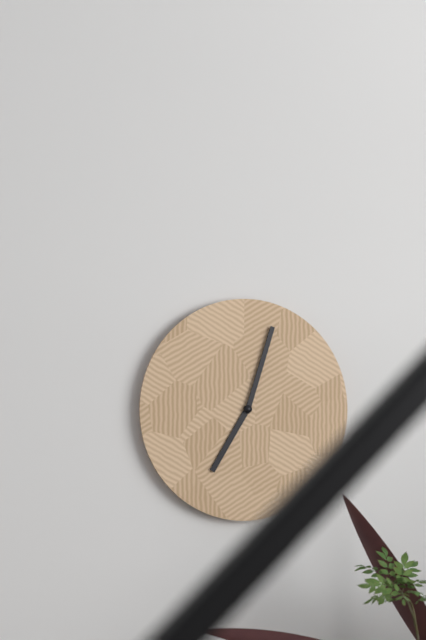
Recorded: {"hour": 7, "minute": 3}
